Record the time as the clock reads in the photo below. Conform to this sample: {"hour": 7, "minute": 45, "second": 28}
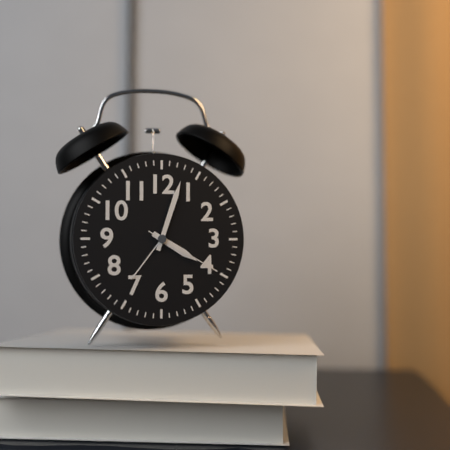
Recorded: {"hour": 4, "minute": 3, "second": 20}
